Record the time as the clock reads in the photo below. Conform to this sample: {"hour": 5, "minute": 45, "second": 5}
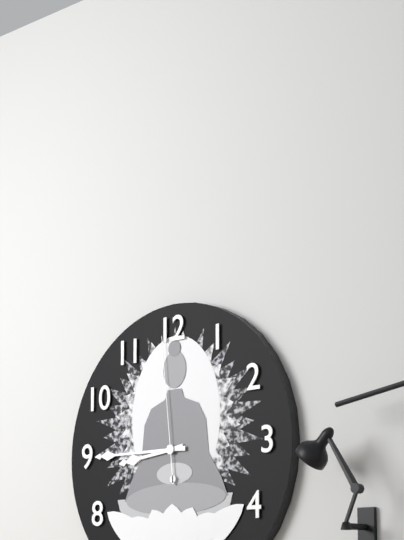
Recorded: {"hour": 8, "minute": 45, "second": 59}
